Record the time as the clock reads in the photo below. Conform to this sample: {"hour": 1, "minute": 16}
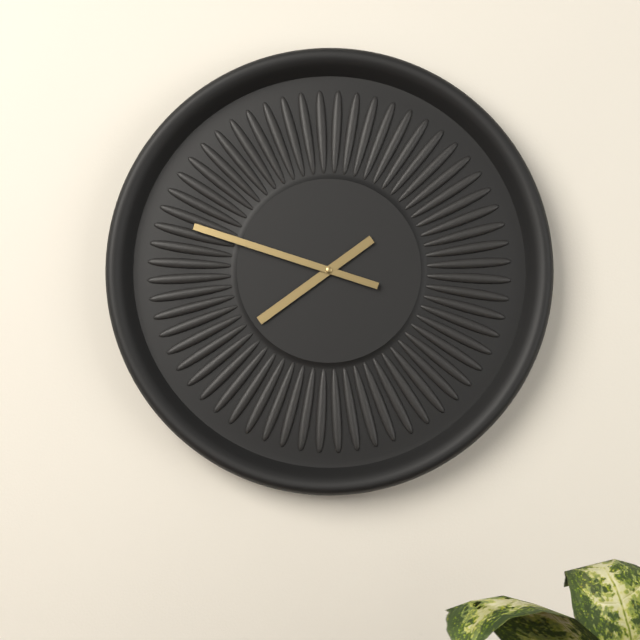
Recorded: {"hour": 7, "minute": 48}
